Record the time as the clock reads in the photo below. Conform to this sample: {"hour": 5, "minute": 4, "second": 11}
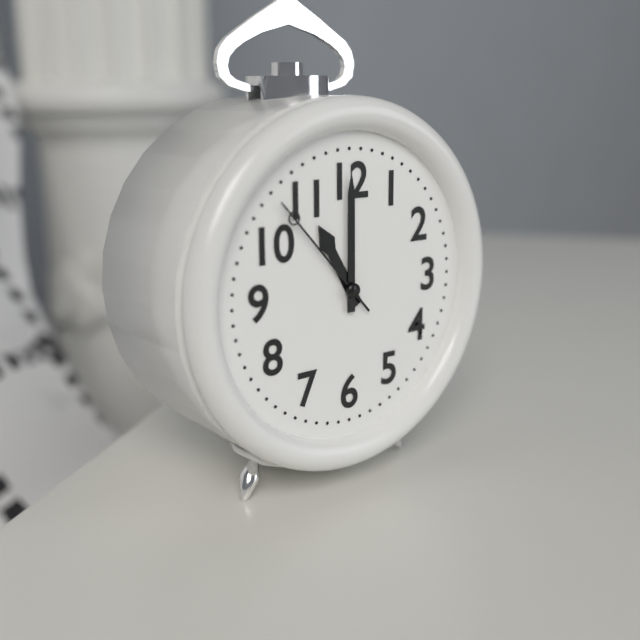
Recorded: {"hour": 11, "minute": 0, "second": 53}
